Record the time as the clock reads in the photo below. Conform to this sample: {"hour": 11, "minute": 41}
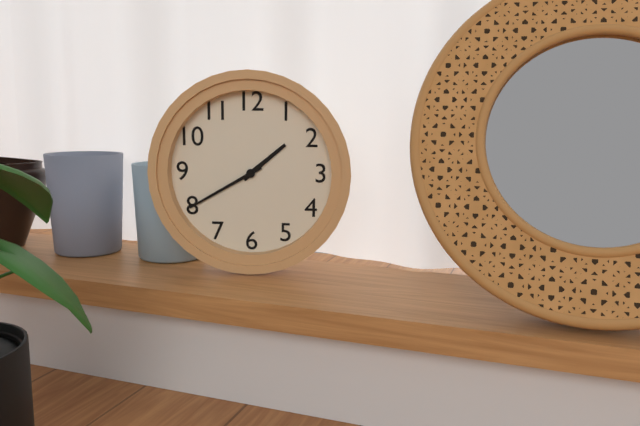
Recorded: {"hour": 1, "minute": 40}
